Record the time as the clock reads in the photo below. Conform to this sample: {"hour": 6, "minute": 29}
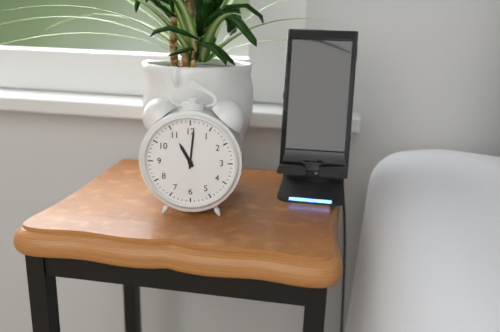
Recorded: {"hour": 11, "minute": 1}
